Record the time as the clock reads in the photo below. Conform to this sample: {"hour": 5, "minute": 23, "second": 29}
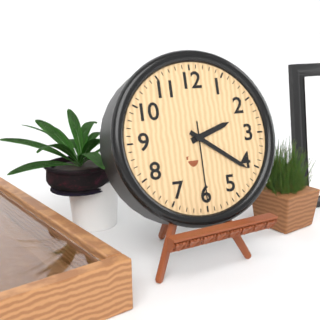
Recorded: {"hour": 2, "minute": 21, "second": 30}
